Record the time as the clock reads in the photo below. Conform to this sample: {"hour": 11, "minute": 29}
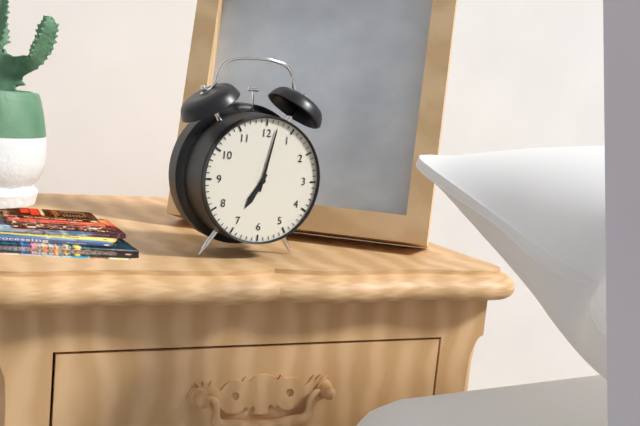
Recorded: {"hour": 7, "minute": 2}
